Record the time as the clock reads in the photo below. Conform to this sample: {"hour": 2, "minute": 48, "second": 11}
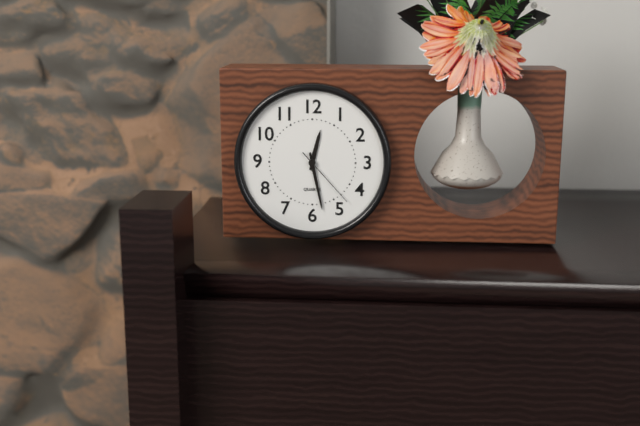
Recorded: {"hour": 12, "minute": 28, "second": 23}
